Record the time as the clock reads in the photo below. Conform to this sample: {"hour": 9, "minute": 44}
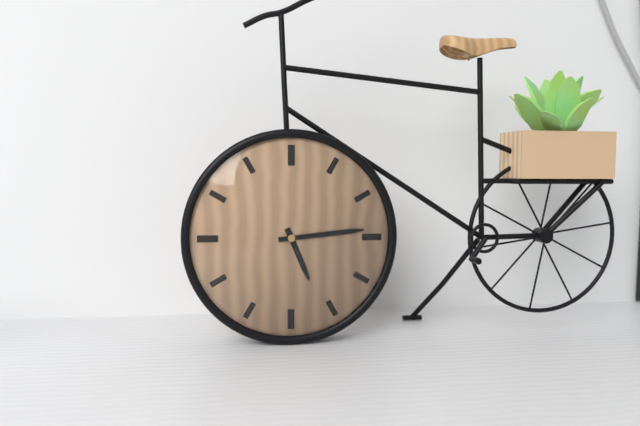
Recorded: {"hour": 5, "minute": 14}
